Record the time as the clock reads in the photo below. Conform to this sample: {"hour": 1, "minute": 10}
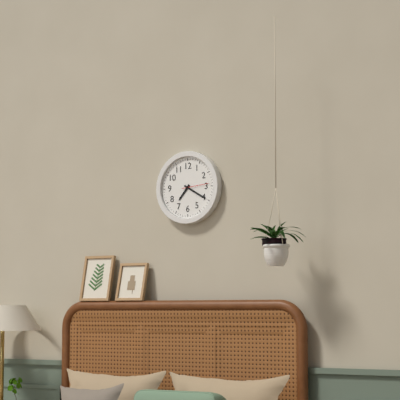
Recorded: {"hour": 7, "minute": 20}
